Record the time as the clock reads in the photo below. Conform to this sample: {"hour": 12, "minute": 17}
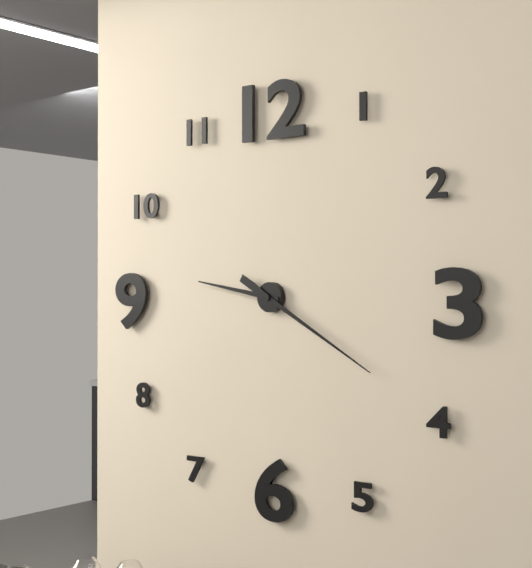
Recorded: {"hour": 9, "minute": 20}
